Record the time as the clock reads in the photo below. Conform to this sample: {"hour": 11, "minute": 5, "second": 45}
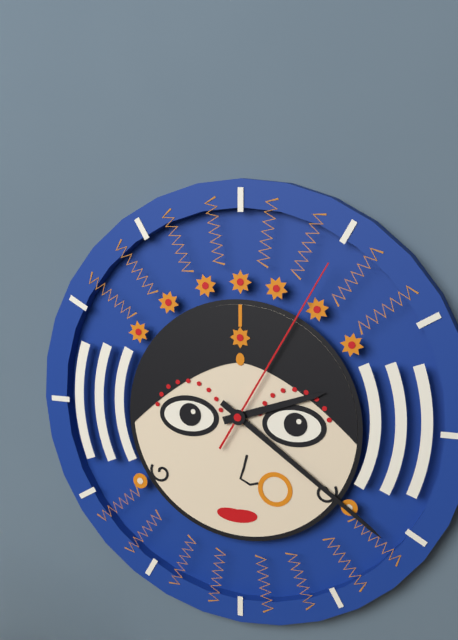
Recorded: {"hour": 2, "minute": 21, "second": 5}
